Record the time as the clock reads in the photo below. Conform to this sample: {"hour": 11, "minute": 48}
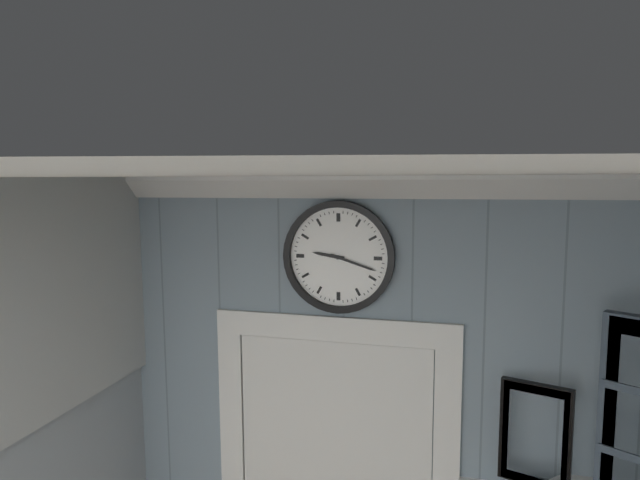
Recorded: {"hour": 9, "minute": 18}
